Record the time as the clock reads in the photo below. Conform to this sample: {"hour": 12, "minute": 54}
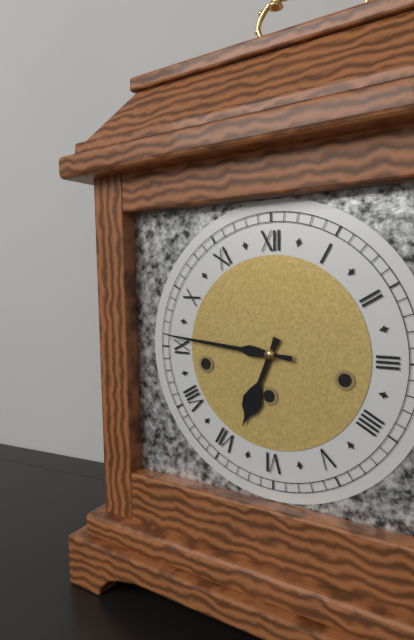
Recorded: {"hour": 6, "minute": 46}
